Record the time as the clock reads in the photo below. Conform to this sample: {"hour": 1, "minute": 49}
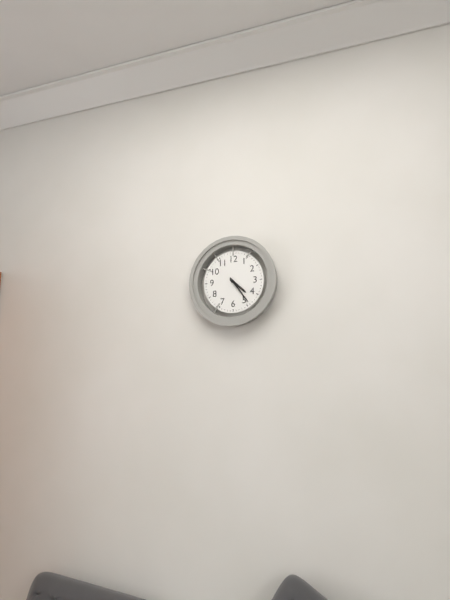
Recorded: {"hour": 4, "minute": 24}
